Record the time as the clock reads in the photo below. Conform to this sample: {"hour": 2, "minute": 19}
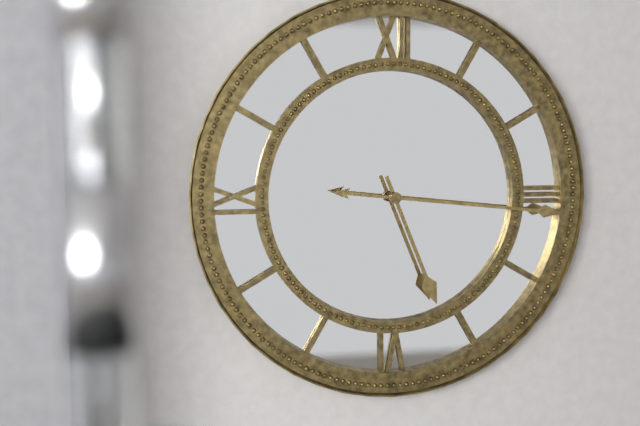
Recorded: {"hour": 5, "minute": 16}
